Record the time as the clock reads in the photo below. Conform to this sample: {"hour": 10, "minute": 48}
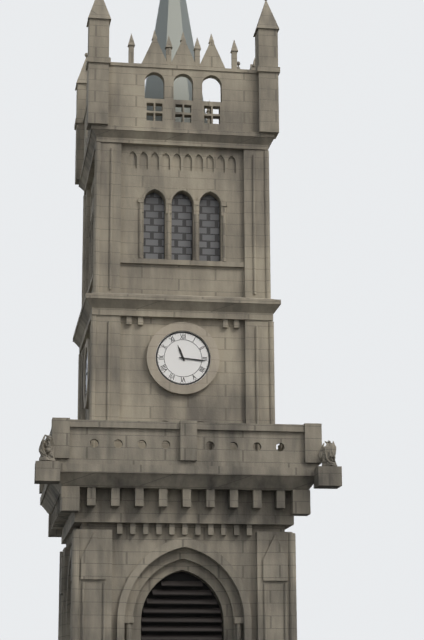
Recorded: {"hour": 11, "minute": 16}
